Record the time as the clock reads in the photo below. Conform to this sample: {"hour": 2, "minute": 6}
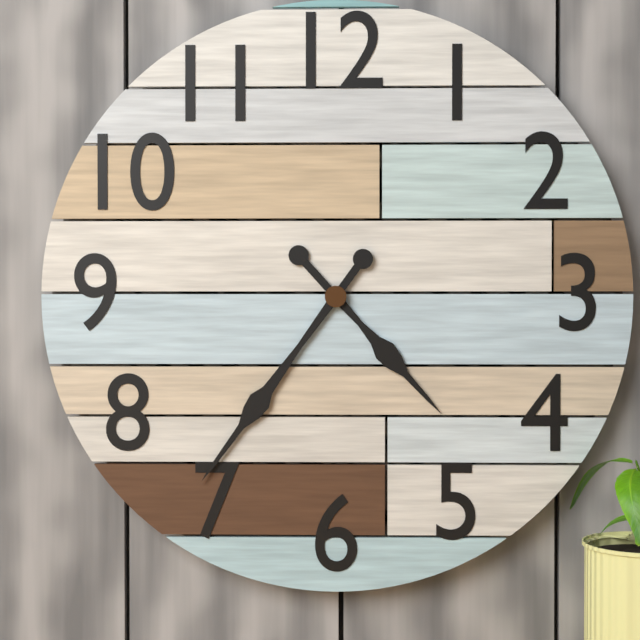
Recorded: {"hour": 4, "minute": 36}
